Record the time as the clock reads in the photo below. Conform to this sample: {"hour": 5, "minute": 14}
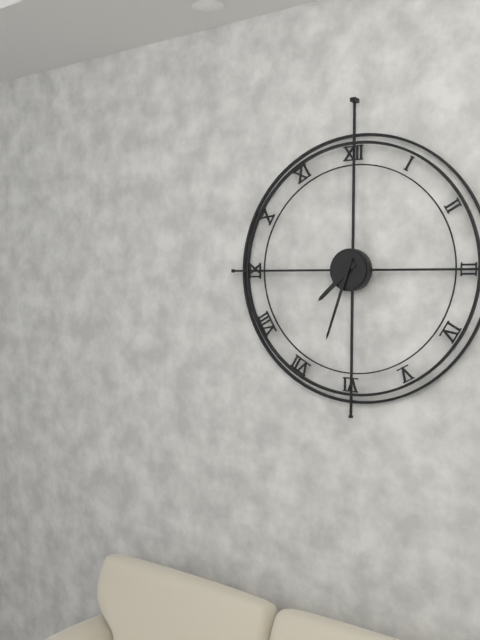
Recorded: {"hour": 7, "minute": 33}
